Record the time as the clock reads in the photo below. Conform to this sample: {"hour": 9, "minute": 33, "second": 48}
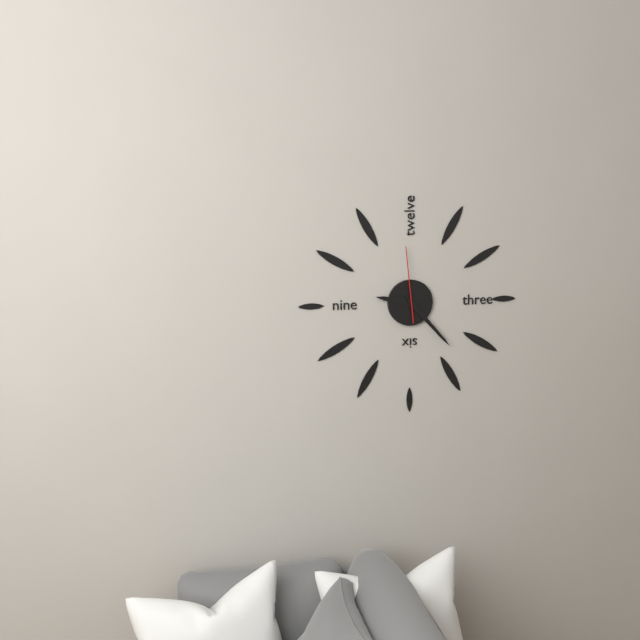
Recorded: {"hour": 9, "minute": 23, "second": 59}
